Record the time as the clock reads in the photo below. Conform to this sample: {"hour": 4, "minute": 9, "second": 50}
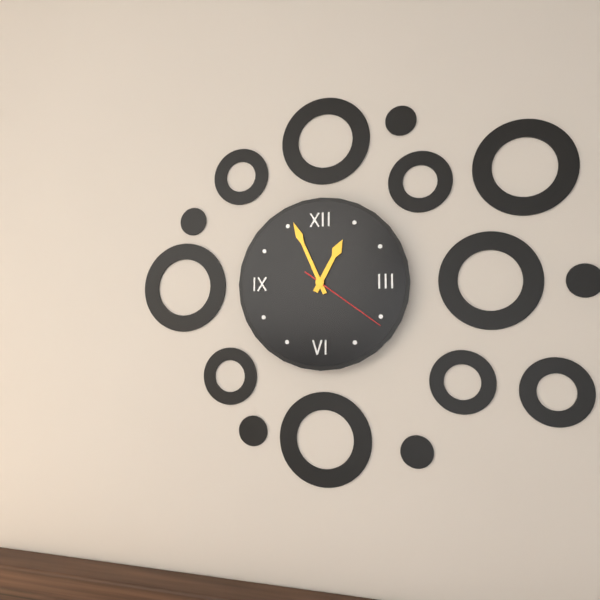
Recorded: {"hour": 12, "minute": 56, "second": 21}
